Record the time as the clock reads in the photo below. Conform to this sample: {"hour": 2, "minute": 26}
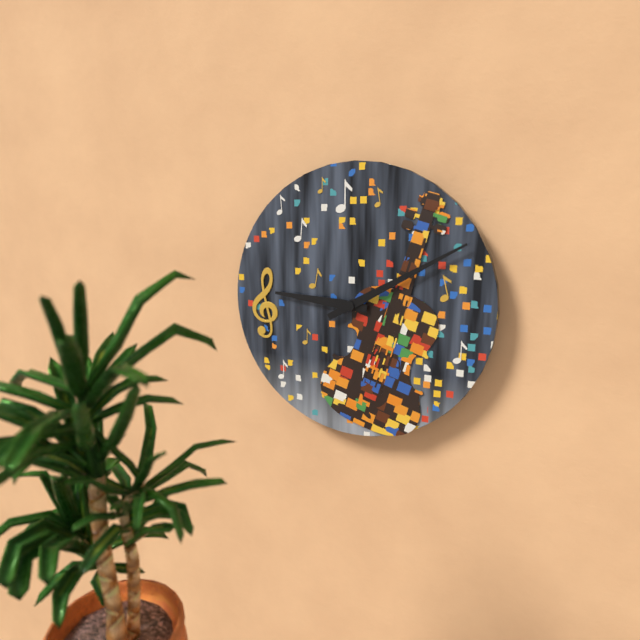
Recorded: {"hour": 9, "minute": 10}
